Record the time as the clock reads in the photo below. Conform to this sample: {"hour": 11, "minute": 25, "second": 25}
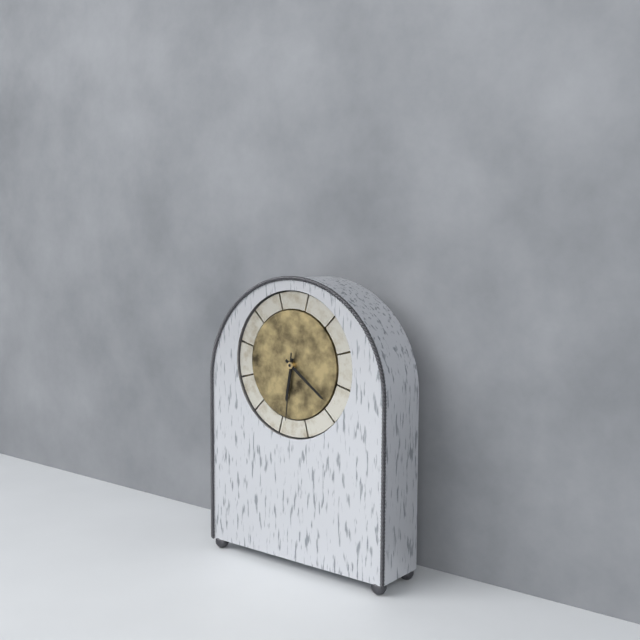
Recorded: {"hour": 6, "minute": 21, "second": 31}
